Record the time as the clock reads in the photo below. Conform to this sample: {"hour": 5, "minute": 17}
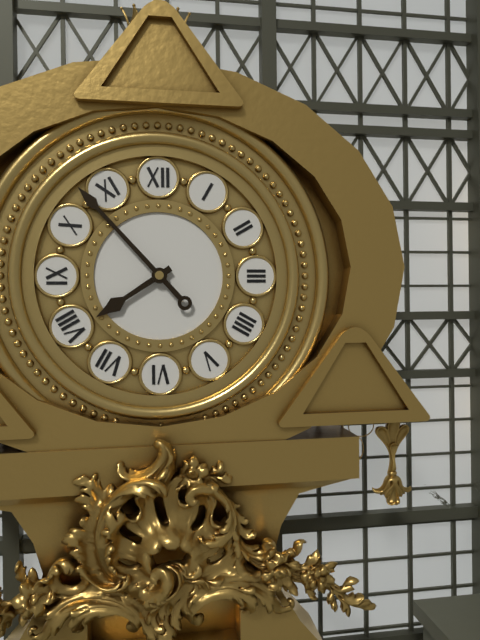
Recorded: {"hour": 7, "minute": 53}
